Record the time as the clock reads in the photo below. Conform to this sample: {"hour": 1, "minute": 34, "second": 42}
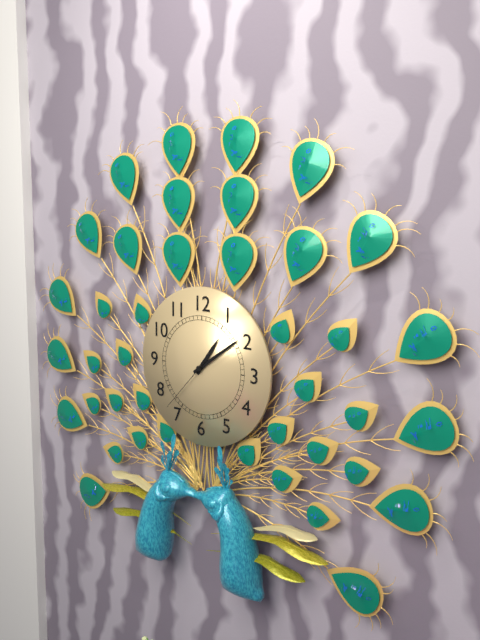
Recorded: {"hour": 1, "minute": 9, "second": 37}
